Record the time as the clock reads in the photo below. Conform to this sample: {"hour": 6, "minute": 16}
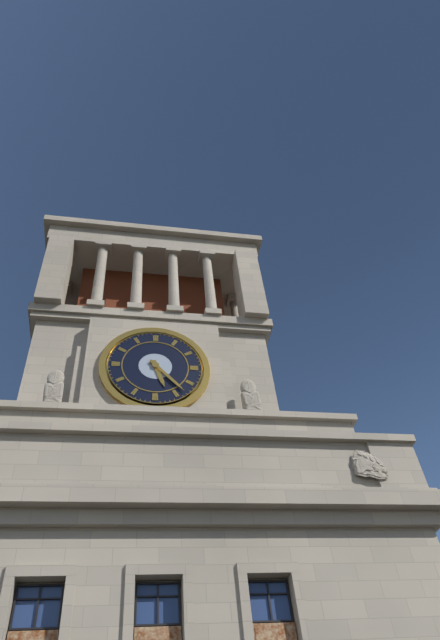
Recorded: {"hour": 5, "minute": 23}
